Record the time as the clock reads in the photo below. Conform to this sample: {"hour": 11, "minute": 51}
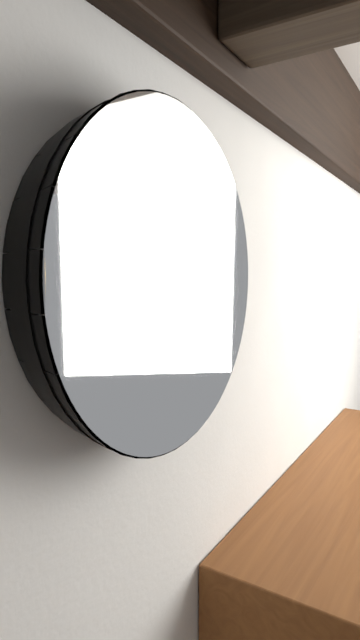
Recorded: {"hour": 12, "minute": 40}
